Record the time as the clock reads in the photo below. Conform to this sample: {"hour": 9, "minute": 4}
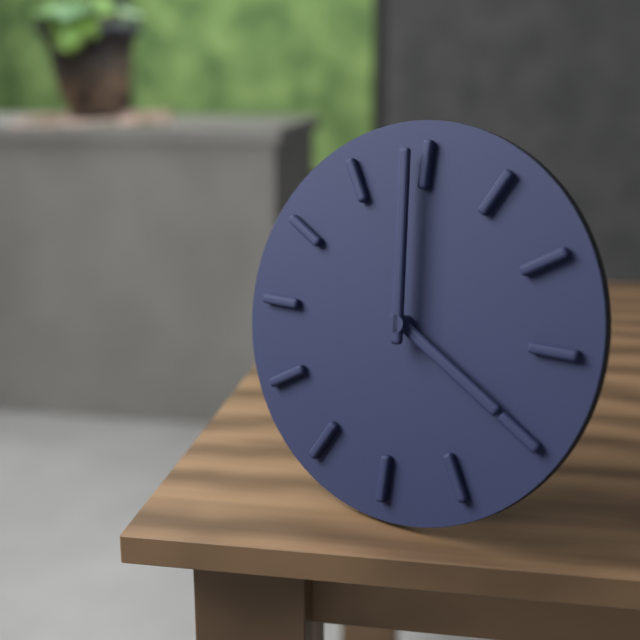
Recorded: {"hour": 3, "minute": 59}
